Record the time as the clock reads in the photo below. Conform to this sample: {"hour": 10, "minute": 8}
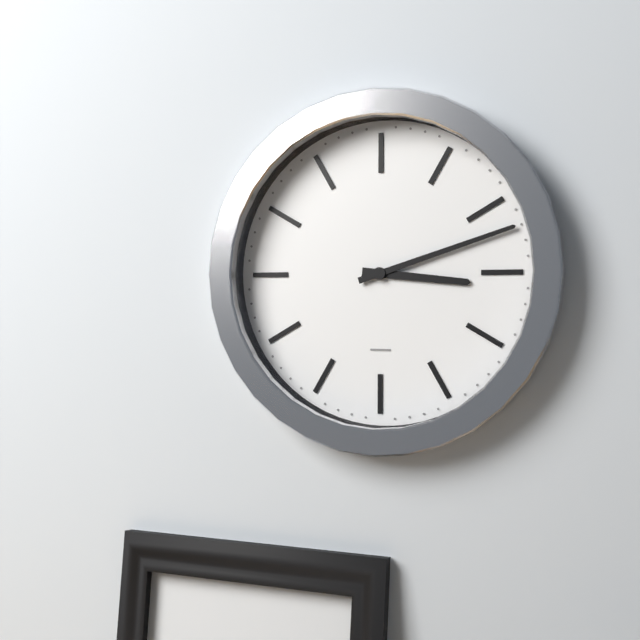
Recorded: {"hour": 3, "minute": 12}
